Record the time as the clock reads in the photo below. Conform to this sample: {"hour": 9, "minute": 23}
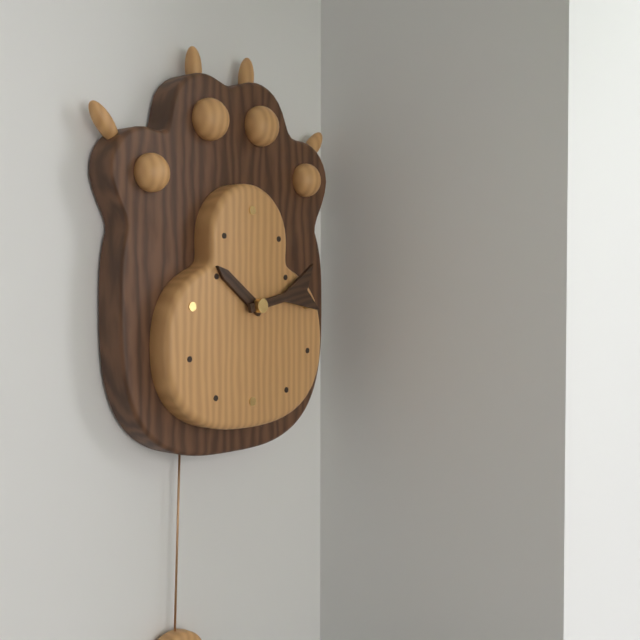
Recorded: {"hour": 10, "minute": 13}
